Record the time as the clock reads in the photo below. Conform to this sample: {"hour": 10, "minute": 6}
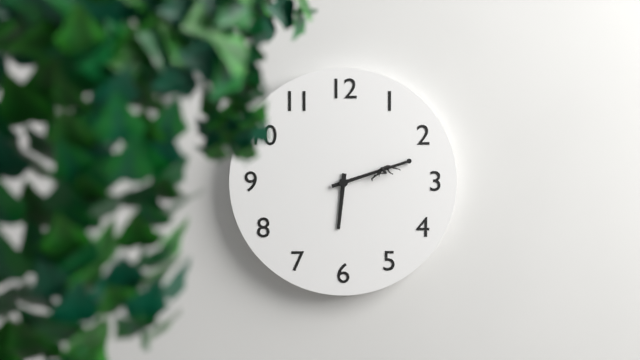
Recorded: {"hour": 6, "minute": 12}
